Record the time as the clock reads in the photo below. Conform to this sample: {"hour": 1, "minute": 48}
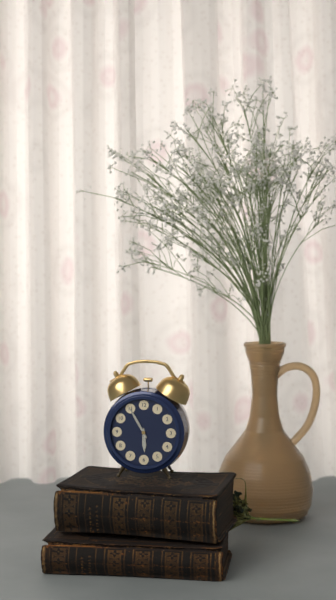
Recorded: {"hour": 5, "minute": 55}
